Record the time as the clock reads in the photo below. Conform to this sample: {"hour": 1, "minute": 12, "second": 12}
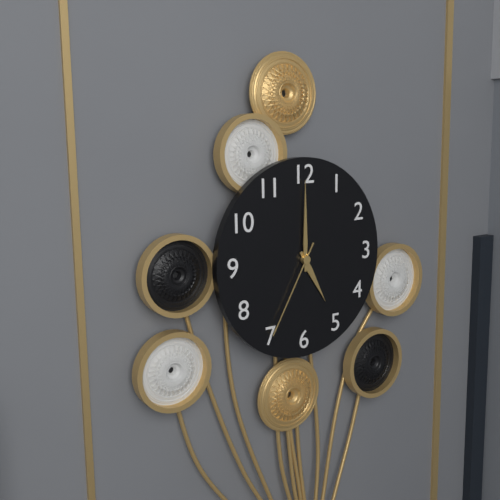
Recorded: {"hour": 5, "minute": 0, "second": 35}
